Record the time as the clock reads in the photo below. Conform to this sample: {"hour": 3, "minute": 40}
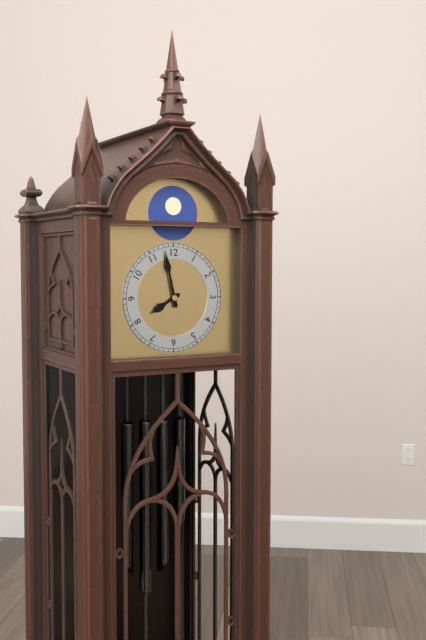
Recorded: {"hour": 7, "minute": 58}
